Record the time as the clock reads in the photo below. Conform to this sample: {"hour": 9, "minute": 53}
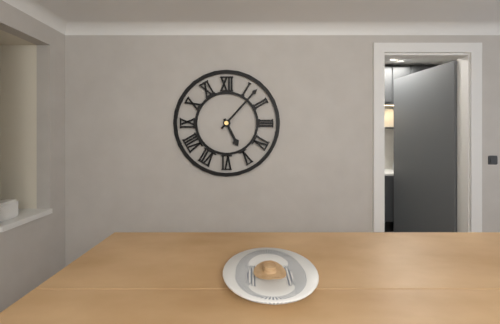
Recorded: {"hour": 5, "minute": 7}
